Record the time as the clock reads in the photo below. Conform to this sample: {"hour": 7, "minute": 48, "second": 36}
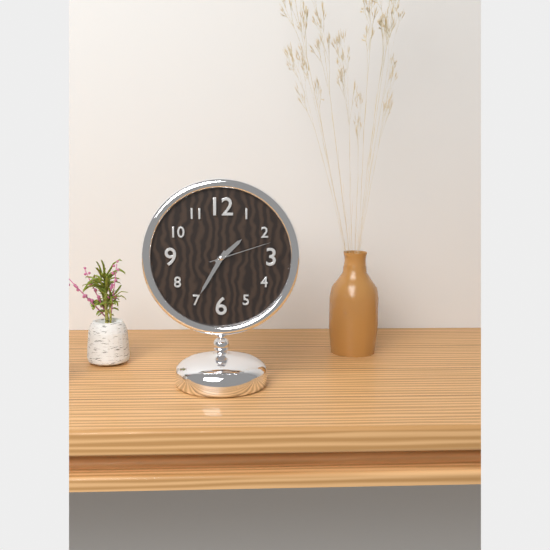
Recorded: {"hour": 1, "minute": 35, "second": 12}
